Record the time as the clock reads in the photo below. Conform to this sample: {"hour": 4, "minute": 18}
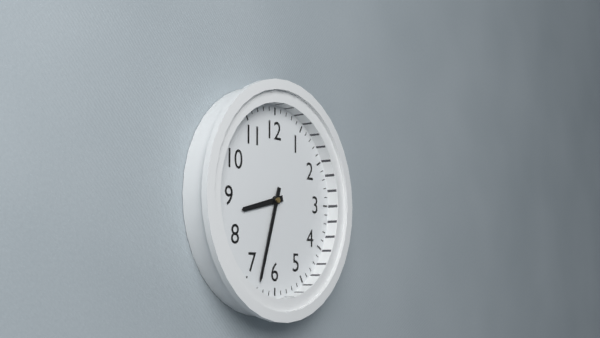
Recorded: {"hour": 8, "minute": 33}
